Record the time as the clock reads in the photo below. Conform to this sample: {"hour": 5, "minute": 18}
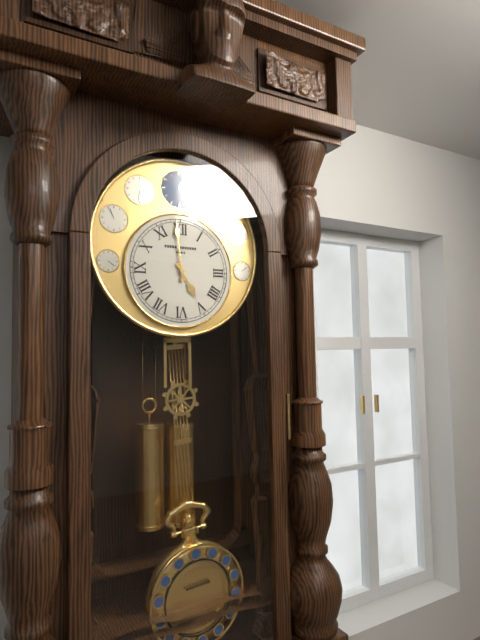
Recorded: {"hour": 4, "minute": 59}
